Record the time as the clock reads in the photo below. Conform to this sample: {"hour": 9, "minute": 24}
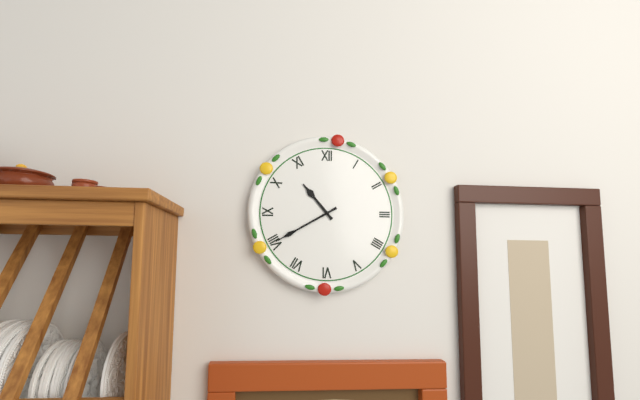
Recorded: {"hour": 10, "minute": 40}
